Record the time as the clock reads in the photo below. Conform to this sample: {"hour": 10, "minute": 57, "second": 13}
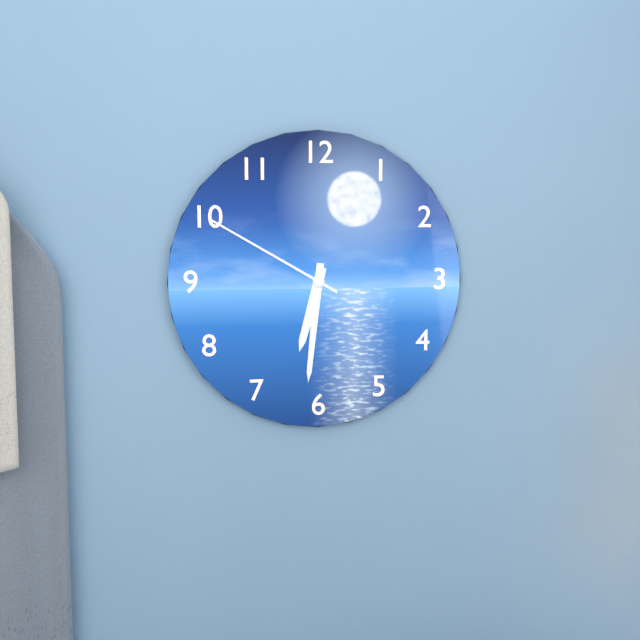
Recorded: {"hour": 6, "minute": 31, "second": 50}
